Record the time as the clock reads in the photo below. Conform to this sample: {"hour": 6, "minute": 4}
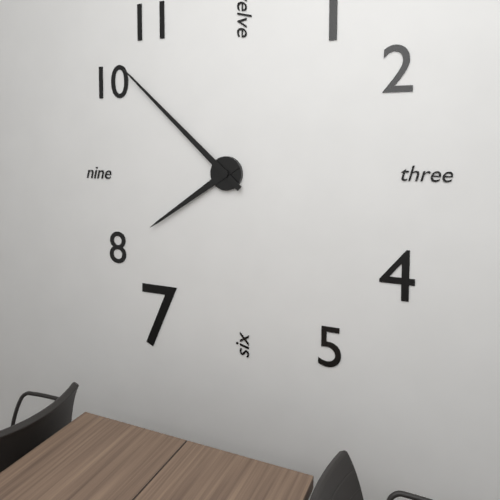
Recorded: {"hour": 7, "minute": 52}
